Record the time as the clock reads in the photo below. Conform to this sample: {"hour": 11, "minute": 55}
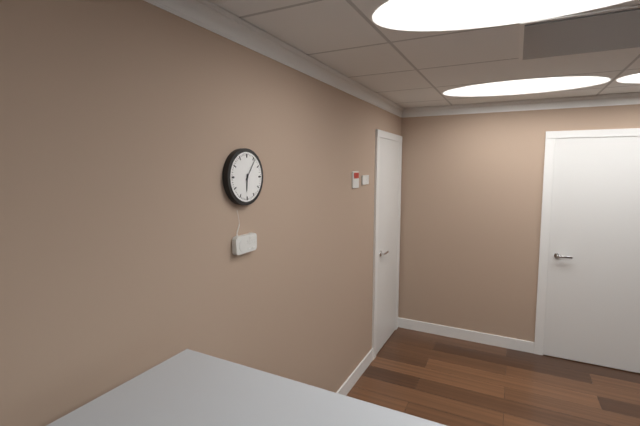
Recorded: {"hour": 6, "minute": 6}
